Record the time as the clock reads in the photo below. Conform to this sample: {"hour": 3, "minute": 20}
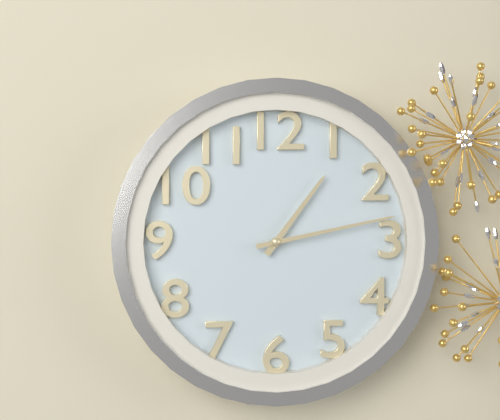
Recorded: {"hour": 1, "minute": 13}
